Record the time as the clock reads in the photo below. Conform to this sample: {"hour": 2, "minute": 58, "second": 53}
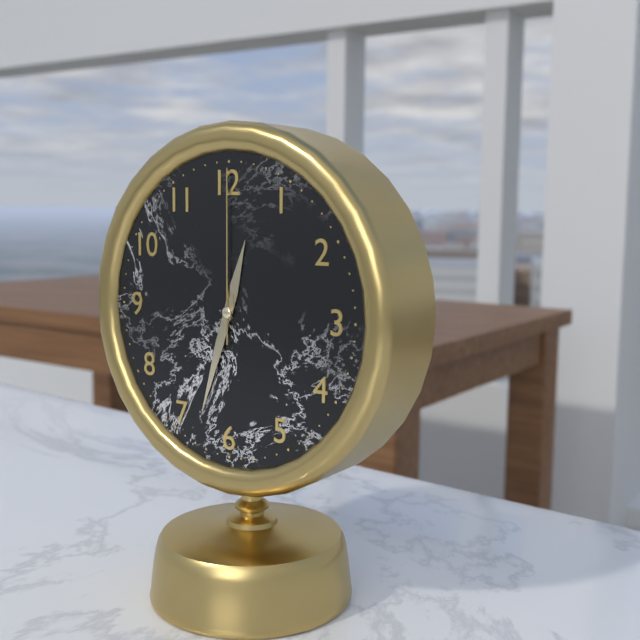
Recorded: {"hour": 12, "minute": 33, "second": 0}
